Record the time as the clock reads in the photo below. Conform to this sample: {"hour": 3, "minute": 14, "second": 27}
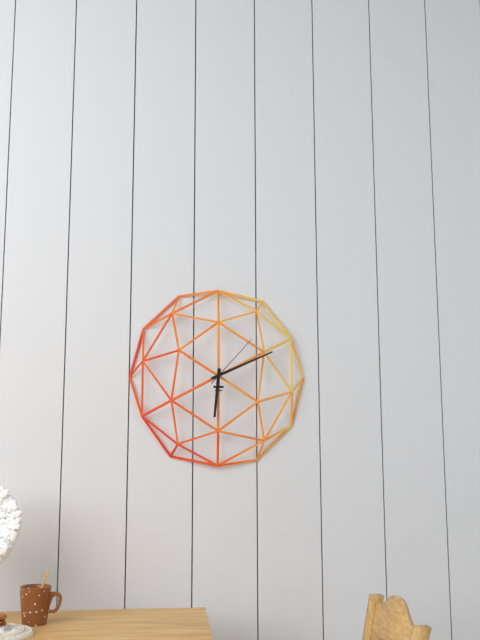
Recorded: {"hour": 6, "minute": 11, "second": 7}
